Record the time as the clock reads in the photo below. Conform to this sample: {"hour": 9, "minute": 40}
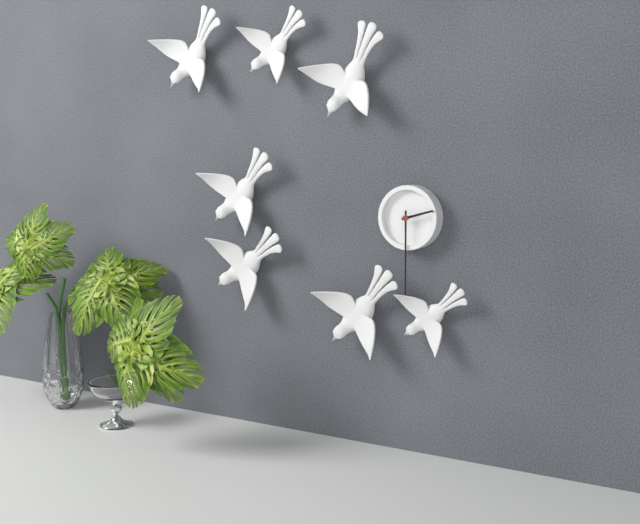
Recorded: {"hour": 2, "minute": 30}
